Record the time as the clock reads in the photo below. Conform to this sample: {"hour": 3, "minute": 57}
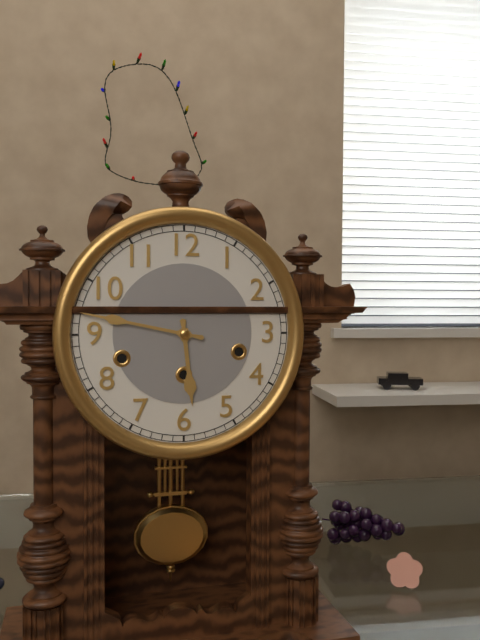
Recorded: {"hour": 5, "minute": 47}
